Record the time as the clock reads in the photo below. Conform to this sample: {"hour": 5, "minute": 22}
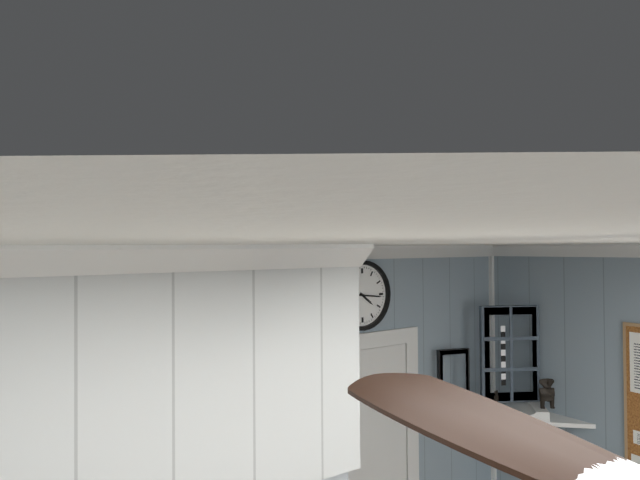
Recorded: {"hour": 4, "minute": 16}
